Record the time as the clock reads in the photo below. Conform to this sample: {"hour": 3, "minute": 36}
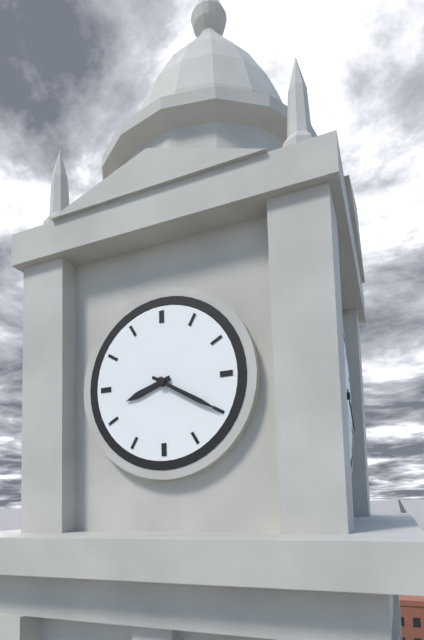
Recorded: {"hour": 8, "minute": 20}
